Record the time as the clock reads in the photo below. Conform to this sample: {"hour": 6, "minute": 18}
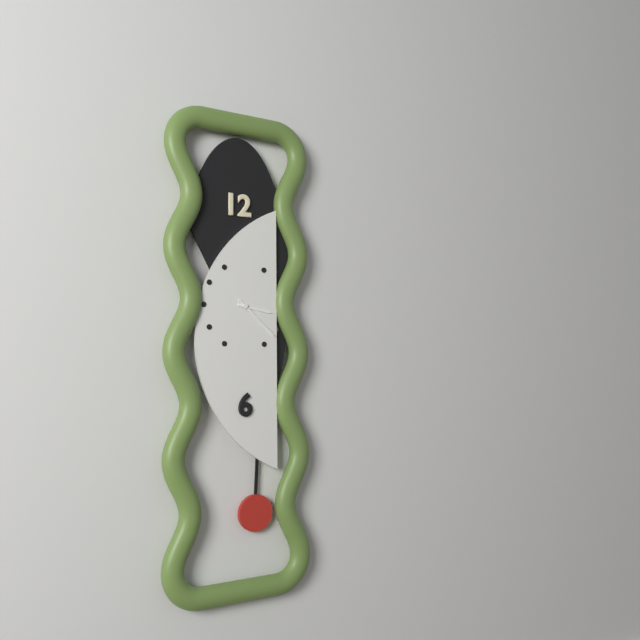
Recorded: {"hour": 3, "minute": 22}
